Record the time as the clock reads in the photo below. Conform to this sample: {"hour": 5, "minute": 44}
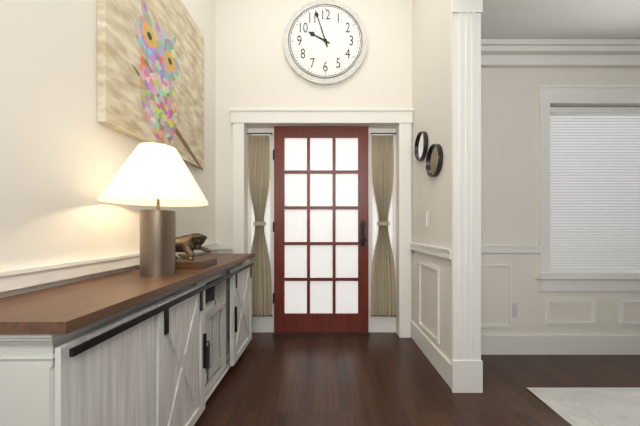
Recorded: {"hour": 9, "minute": 57}
